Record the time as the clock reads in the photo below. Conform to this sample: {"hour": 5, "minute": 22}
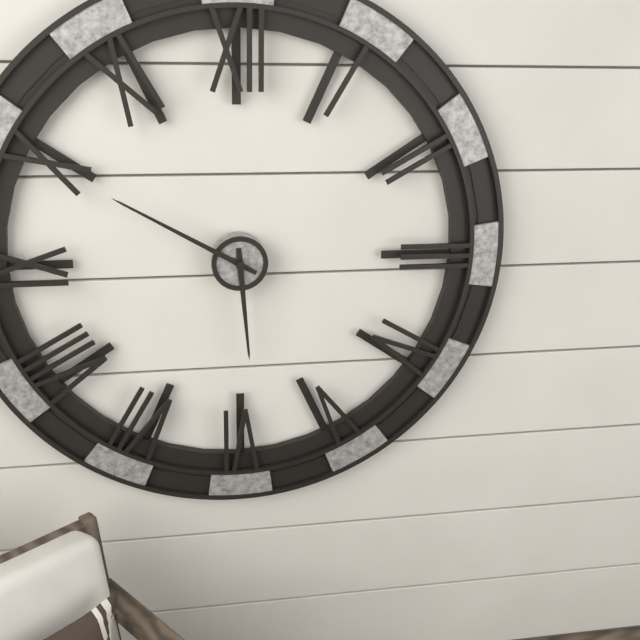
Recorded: {"hour": 5, "minute": 50}
